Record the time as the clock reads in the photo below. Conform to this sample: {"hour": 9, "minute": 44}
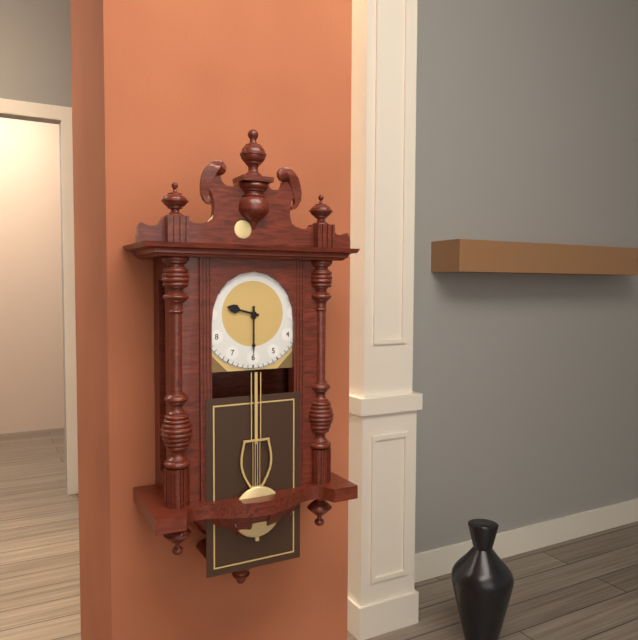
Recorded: {"hour": 9, "minute": 30}
